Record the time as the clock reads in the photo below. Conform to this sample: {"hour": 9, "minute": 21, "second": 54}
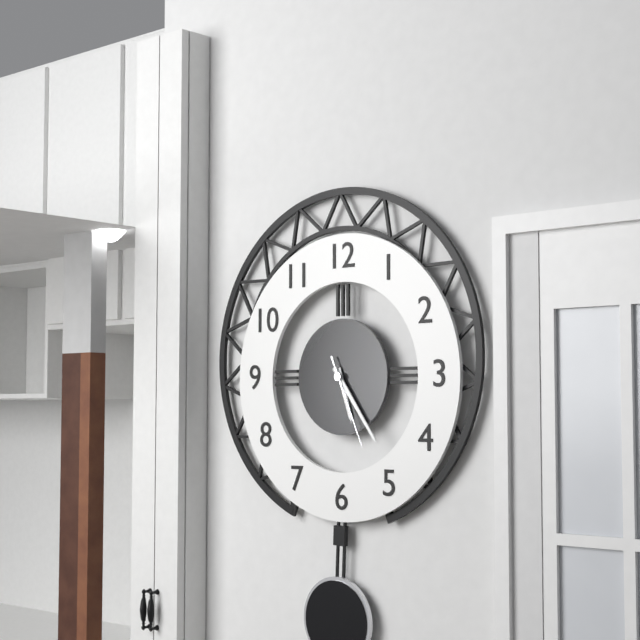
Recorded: {"hour": 5, "minute": 24, "second": 26}
